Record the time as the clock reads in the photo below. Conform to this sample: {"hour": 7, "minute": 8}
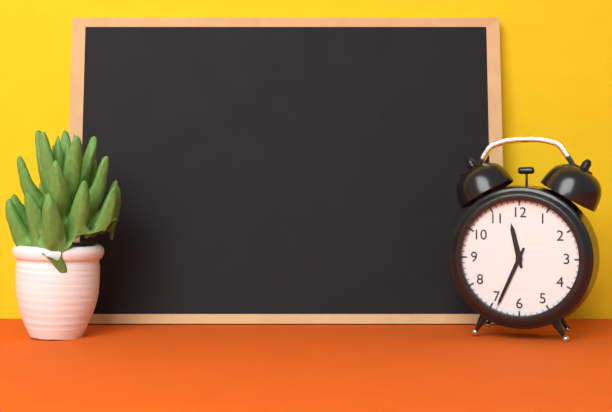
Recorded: {"hour": 11, "minute": 34}
